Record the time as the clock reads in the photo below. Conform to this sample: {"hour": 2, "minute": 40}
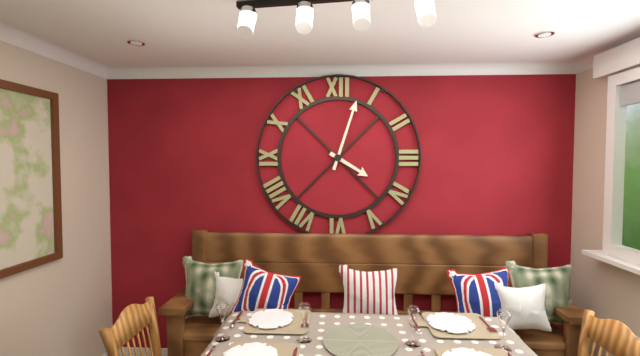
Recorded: {"hour": 4, "minute": 3}
